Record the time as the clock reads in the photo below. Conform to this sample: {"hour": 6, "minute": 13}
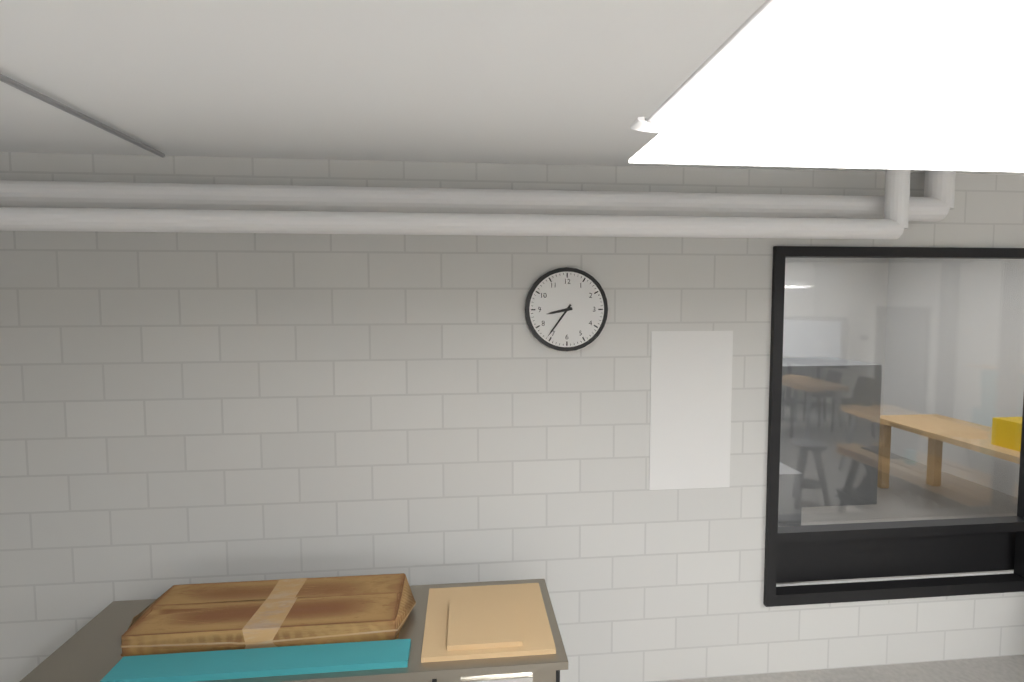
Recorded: {"hour": 8, "minute": 36}
